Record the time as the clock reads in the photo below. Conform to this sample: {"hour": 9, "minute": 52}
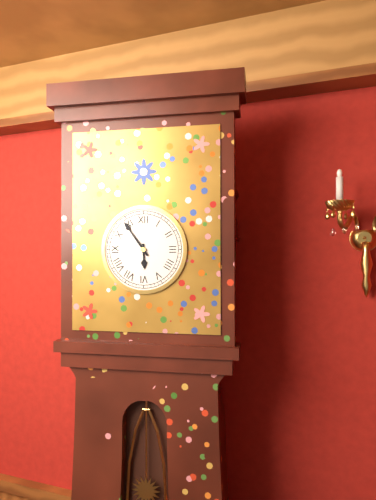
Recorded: {"hour": 5, "minute": 54}
